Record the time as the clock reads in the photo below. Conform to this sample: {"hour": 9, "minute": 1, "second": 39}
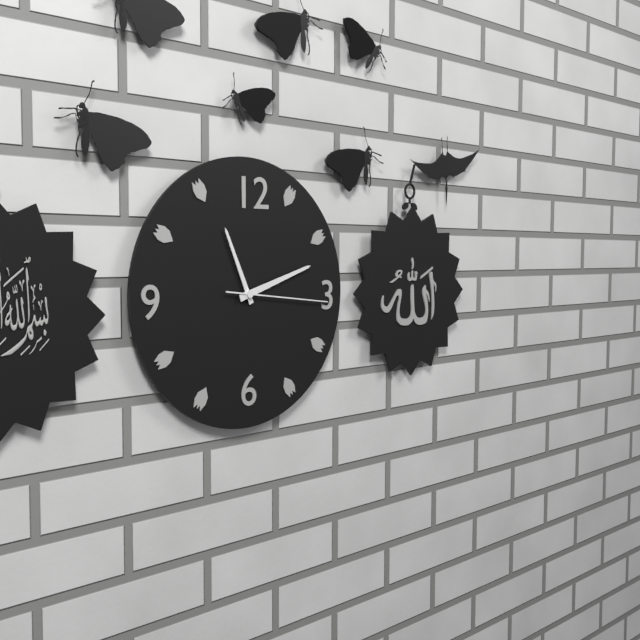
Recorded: {"hour": 11, "minute": 12, "second": 16}
